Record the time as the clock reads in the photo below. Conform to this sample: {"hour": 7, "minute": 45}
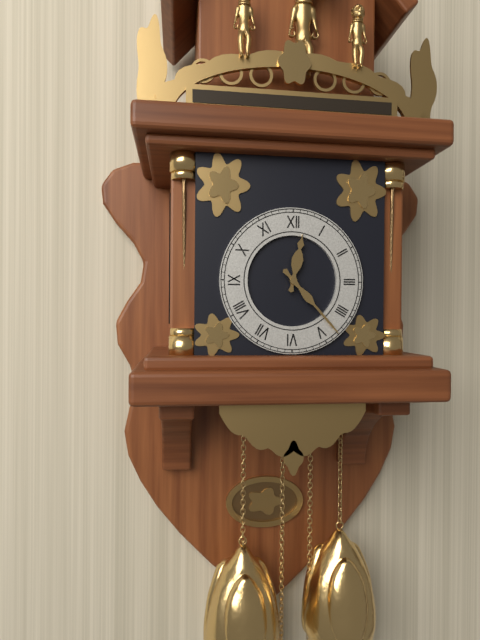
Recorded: {"hour": 12, "minute": 23}
